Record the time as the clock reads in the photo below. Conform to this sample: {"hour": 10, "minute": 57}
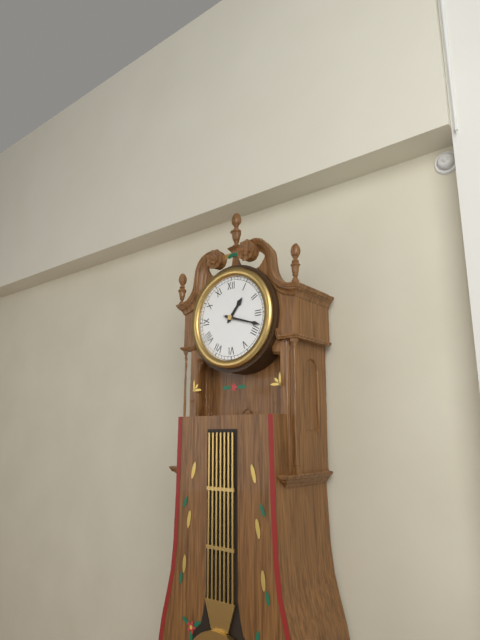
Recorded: {"hour": 1, "minute": 18}
